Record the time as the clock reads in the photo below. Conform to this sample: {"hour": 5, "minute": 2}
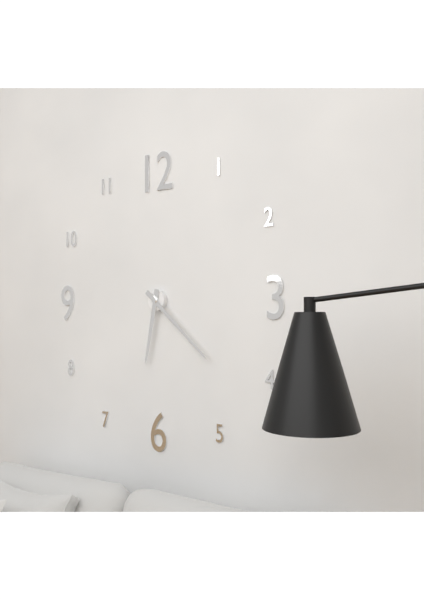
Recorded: {"hour": 6, "minute": 22}
